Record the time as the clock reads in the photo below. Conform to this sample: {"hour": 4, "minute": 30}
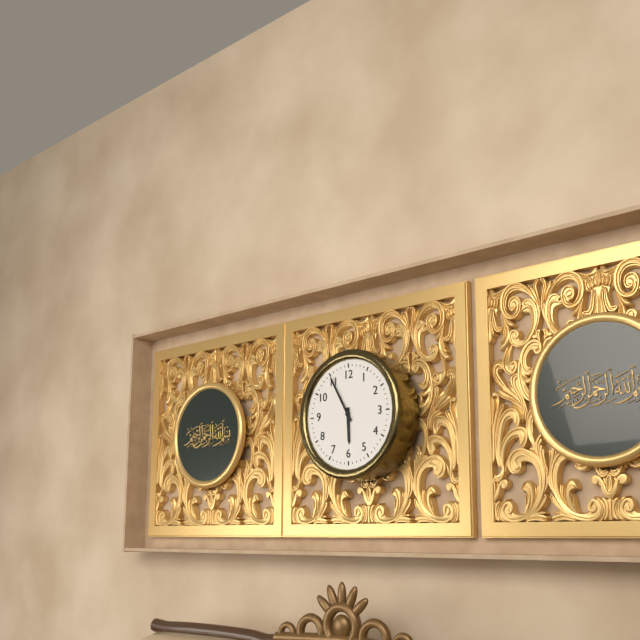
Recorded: {"hour": 5, "minute": 55}
